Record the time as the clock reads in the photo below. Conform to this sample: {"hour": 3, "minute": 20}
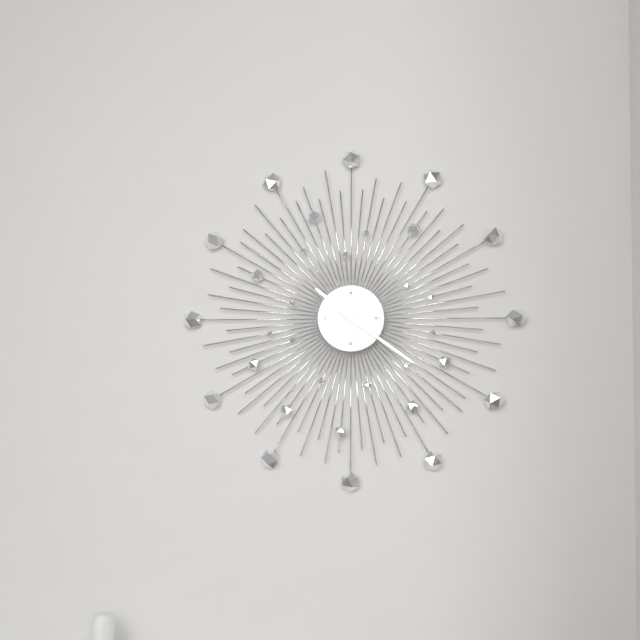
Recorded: {"hour": 10, "minute": 21}
